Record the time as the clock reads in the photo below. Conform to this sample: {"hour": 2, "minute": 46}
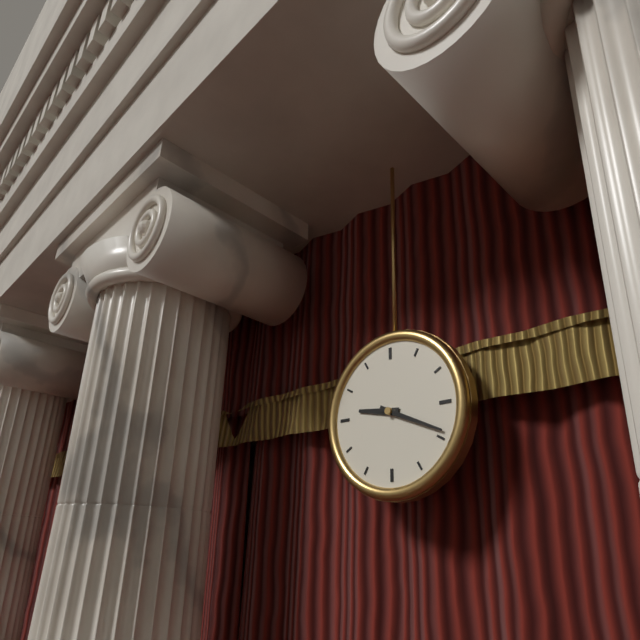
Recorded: {"hour": 9, "minute": 19}
